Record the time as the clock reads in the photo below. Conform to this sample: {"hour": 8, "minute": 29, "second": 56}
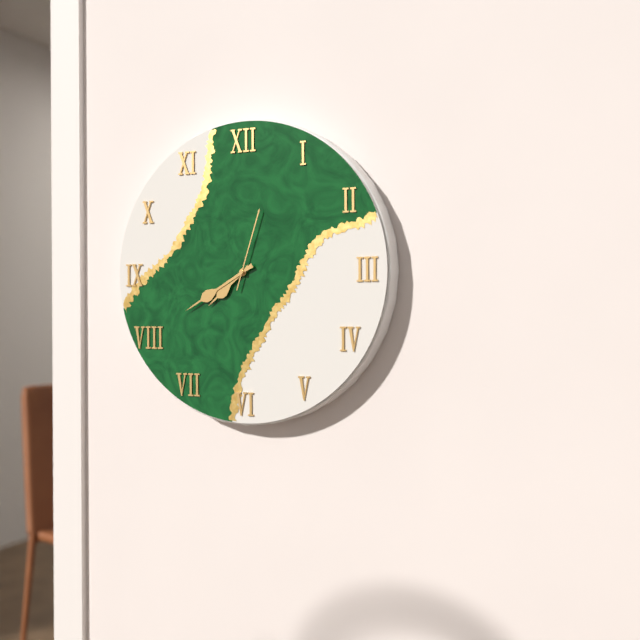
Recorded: {"hour": 7, "minute": 40, "second": 3}
